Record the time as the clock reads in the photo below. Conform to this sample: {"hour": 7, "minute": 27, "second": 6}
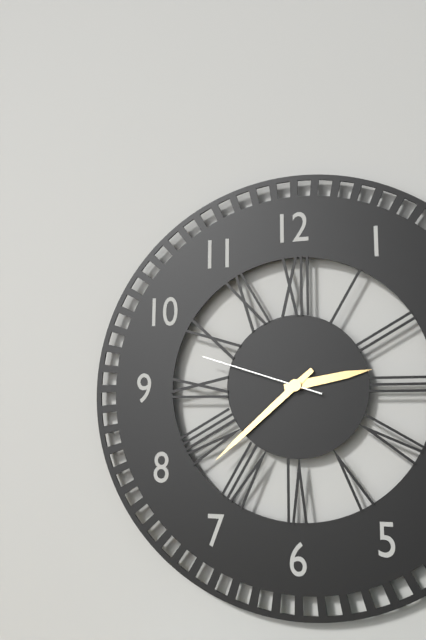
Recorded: {"hour": 2, "minute": 38, "second": 48}
